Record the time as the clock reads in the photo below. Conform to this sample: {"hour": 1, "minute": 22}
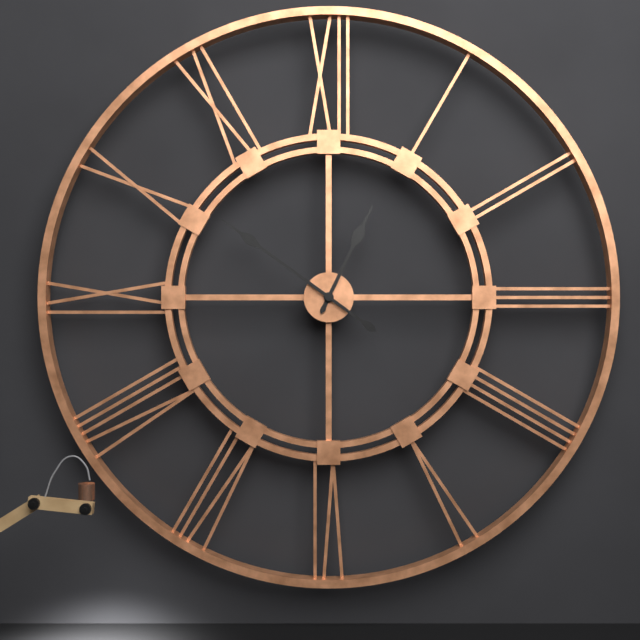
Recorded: {"hour": 12, "minute": 51}
